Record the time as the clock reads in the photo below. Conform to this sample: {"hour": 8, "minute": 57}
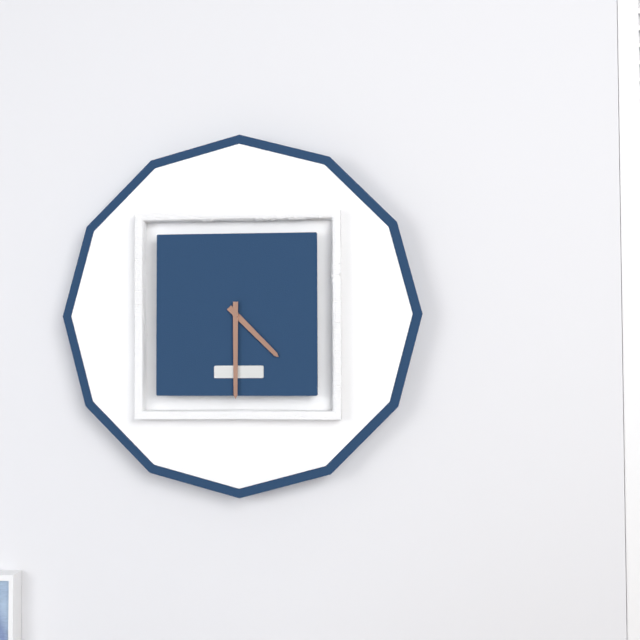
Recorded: {"hour": 4, "minute": 30}
